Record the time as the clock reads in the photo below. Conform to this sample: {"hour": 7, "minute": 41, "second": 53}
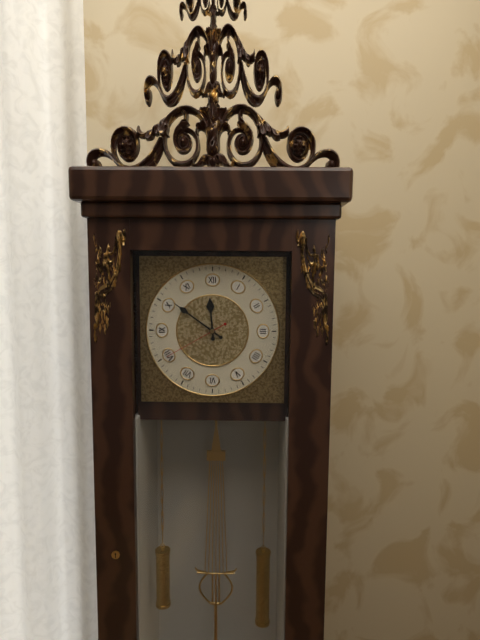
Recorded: {"hour": 11, "minute": 51, "second": 40}
